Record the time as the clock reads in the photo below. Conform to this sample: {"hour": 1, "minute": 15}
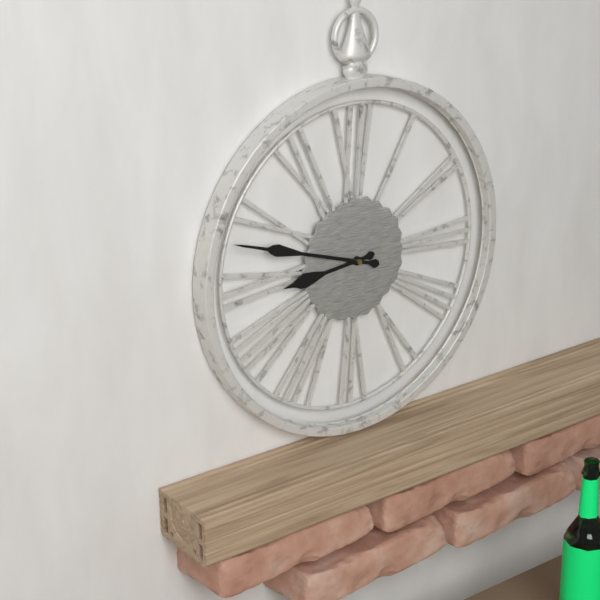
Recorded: {"hour": 8, "minute": 48}
